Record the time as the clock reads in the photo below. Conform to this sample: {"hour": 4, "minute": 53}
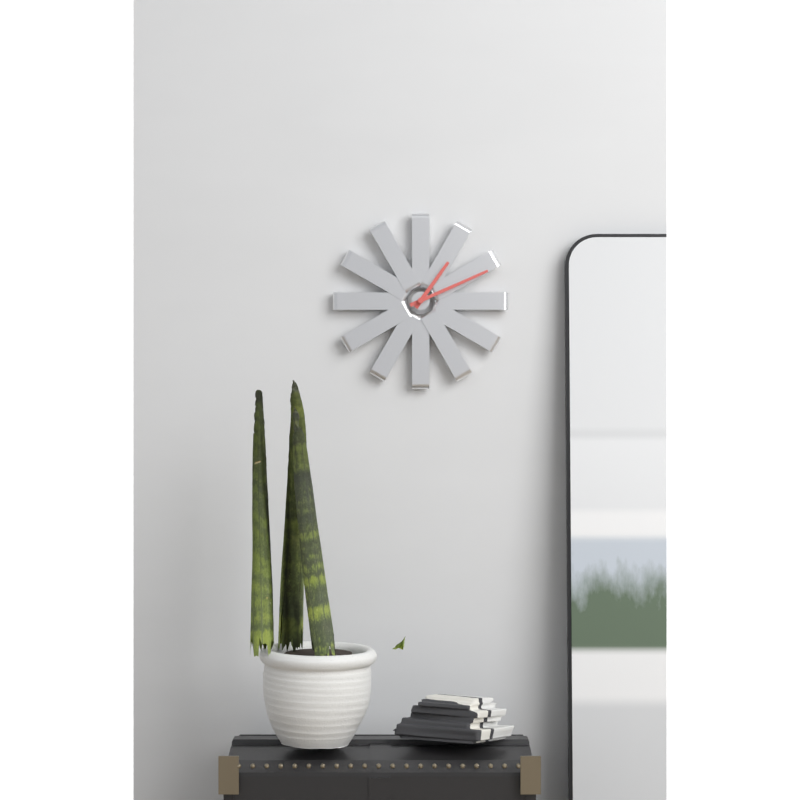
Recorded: {"hour": 1, "minute": 11}
